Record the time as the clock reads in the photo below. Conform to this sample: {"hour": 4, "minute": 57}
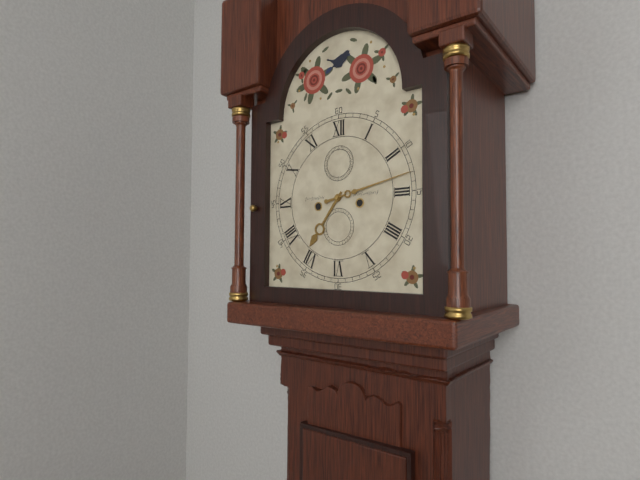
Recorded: {"hour": 7, "minute": 13}
